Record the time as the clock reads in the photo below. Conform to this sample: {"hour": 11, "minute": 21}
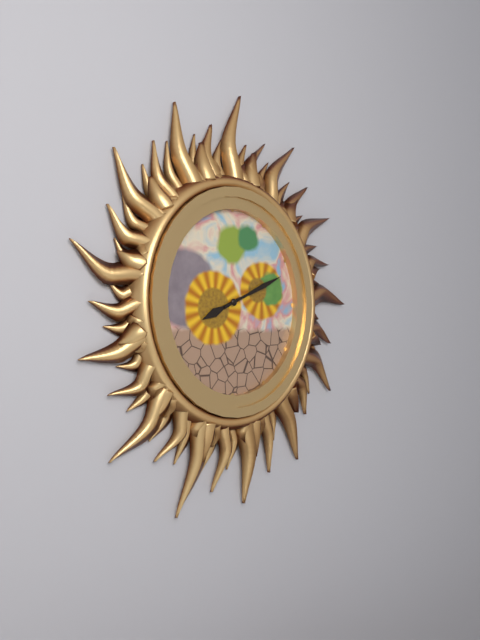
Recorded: {"hour": 8, "minute": 11}
